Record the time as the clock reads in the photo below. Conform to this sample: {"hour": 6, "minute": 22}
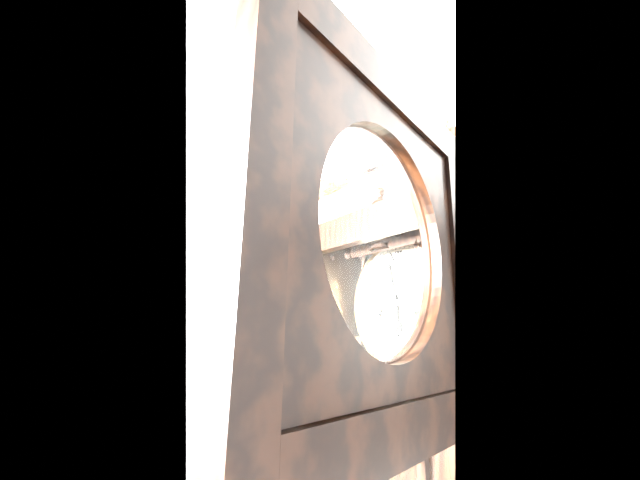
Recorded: {"hour": 5, "minute": 58}
